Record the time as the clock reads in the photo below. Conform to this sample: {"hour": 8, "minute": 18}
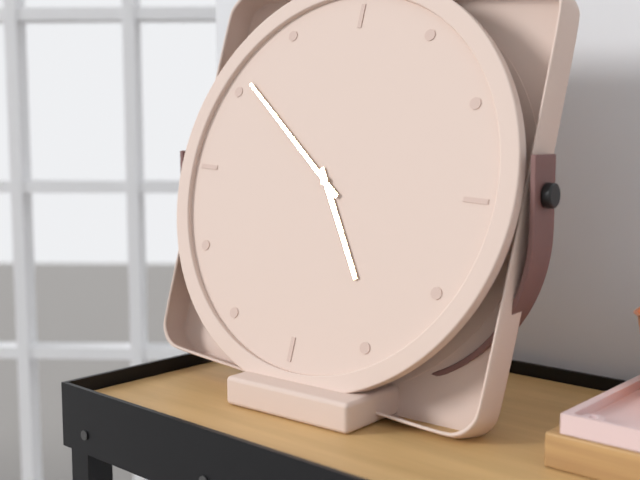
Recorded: {"hour": 4, "minute": 51}
